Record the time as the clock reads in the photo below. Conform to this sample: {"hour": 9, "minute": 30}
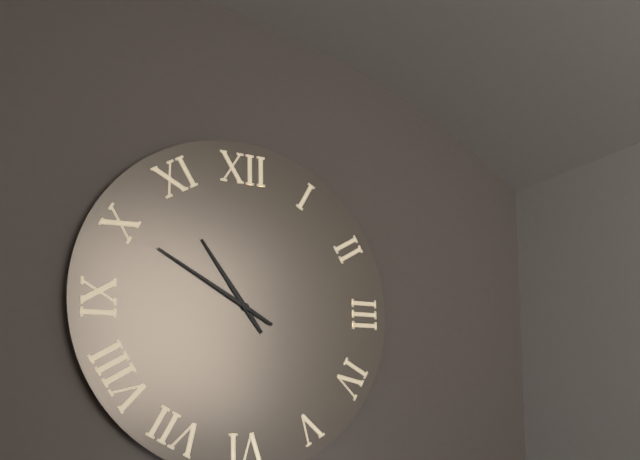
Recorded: {"hour": 10, "minute": 50}
